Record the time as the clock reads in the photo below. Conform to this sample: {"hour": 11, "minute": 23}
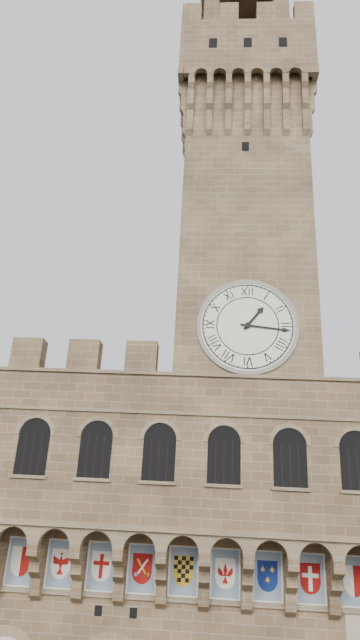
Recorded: {"hour": 1, "minute": 16}
